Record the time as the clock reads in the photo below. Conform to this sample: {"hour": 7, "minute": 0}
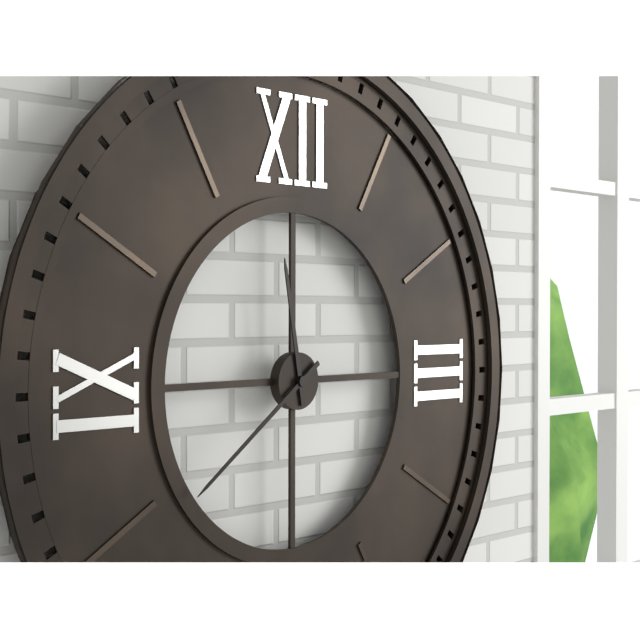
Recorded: {"hour": 11, "minute": 39}
